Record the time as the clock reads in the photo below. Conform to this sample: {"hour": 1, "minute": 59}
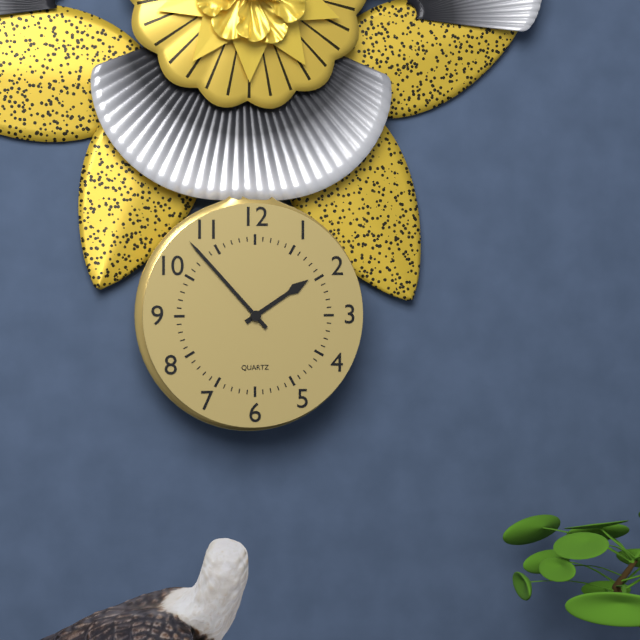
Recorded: {"hour": 1, "minute": 53}
